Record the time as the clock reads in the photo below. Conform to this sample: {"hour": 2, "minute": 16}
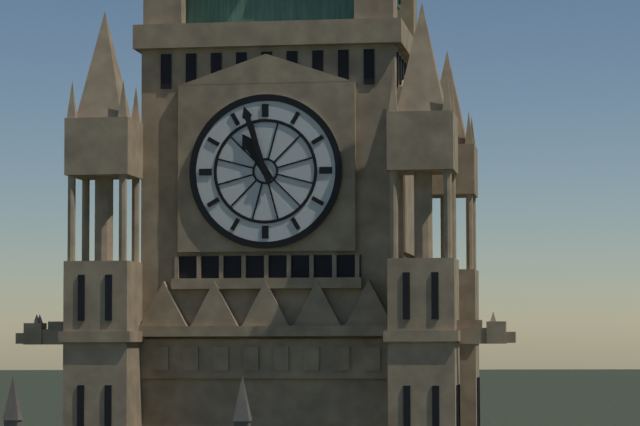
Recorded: {"hour": 10, "minute": 57}
